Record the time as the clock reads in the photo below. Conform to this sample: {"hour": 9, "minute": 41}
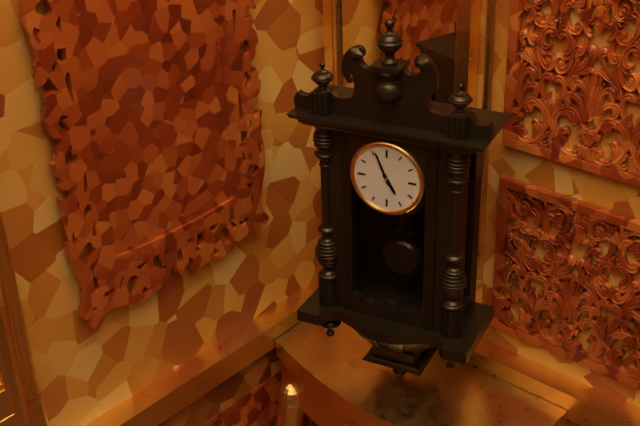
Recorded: {"hour": 4, "minute": 56}
